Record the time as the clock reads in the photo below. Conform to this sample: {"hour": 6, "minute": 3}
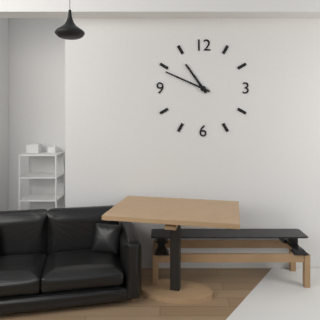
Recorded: {"hour": 10, "minute": 49}
